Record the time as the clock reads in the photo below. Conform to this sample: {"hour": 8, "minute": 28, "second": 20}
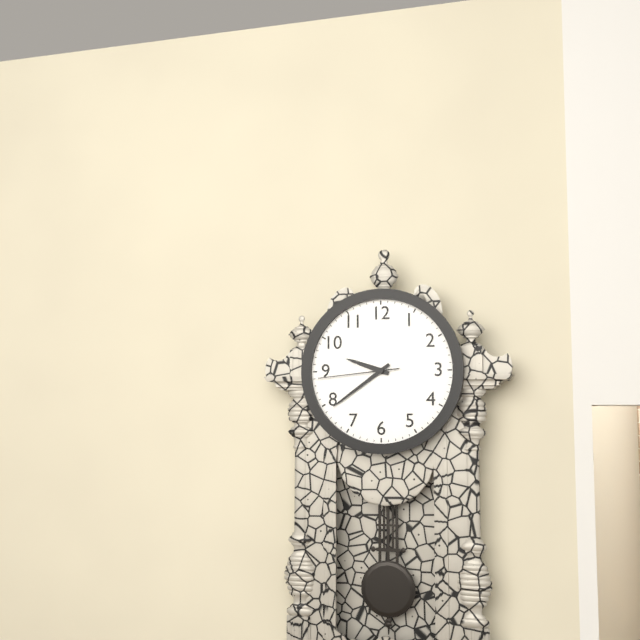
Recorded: {"hour": 9, "minute": 39, "second": 44}
